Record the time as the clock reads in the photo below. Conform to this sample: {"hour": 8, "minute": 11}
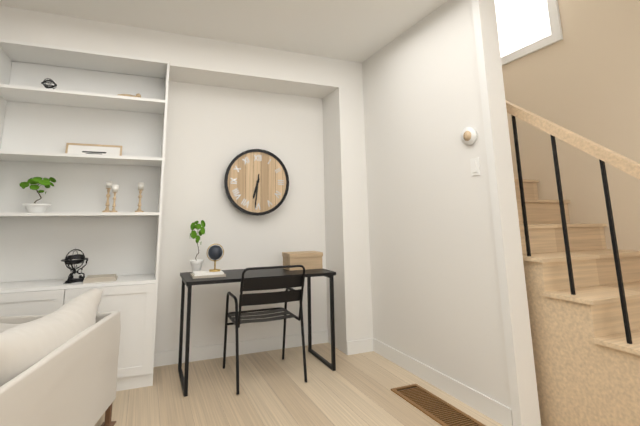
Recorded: {"hour": 6, "minute": 31}
